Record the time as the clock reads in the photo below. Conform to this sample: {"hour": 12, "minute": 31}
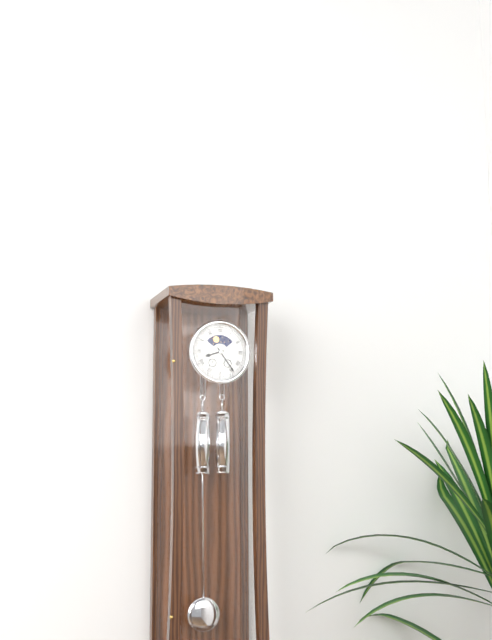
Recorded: {"hour": 8, "minute": 24}
